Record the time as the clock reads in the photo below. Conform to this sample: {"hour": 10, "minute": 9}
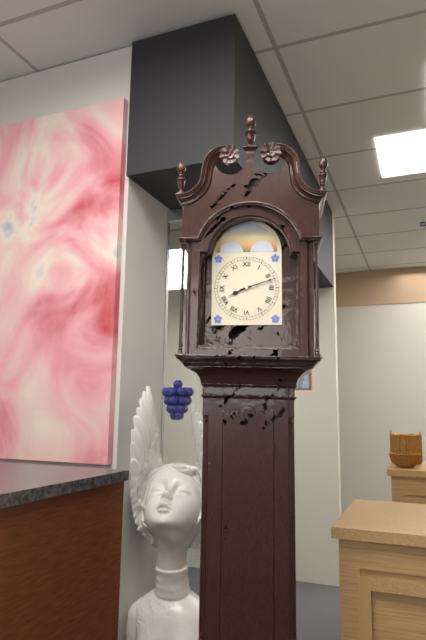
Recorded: {"hour": 8, "minute": 12}
